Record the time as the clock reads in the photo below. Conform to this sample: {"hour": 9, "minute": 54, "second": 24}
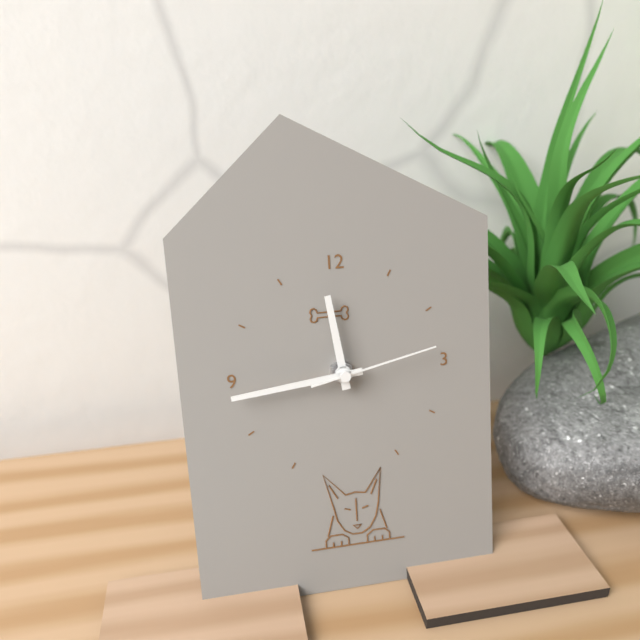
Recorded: {"hour": 11, "minute": 44, "second": 13}
